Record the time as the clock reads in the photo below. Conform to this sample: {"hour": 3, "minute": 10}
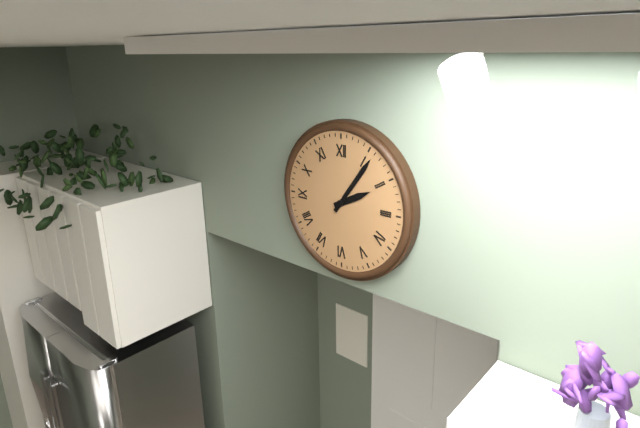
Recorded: {"hour": 2, "minute": 6}
